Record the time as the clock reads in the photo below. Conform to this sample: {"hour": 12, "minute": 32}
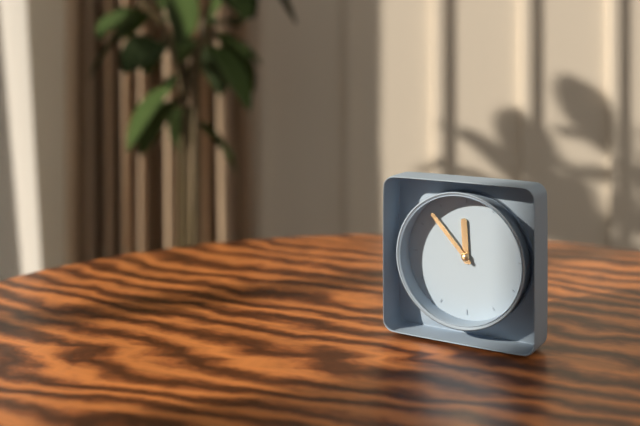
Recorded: {"hour": 11, "minute": 53}
